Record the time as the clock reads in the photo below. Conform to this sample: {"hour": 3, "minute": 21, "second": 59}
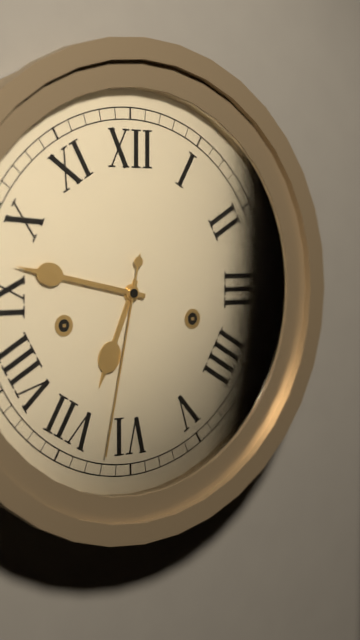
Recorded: {"hour": 6, "minute": 47, "second": 32}
